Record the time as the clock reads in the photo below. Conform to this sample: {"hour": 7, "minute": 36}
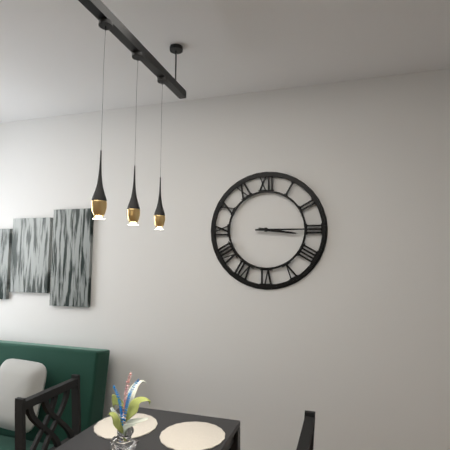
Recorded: {"hour": 3, "minute": 15}
